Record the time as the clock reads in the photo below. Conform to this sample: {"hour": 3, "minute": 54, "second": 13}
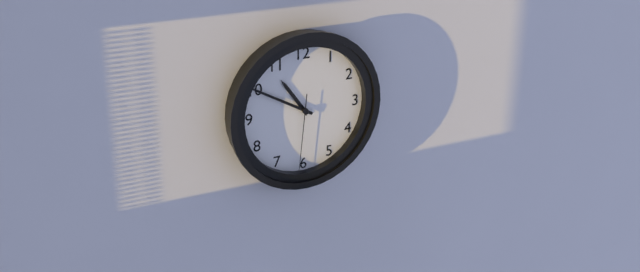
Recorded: {"hour": 10, "minute": 50, "second": 31}
